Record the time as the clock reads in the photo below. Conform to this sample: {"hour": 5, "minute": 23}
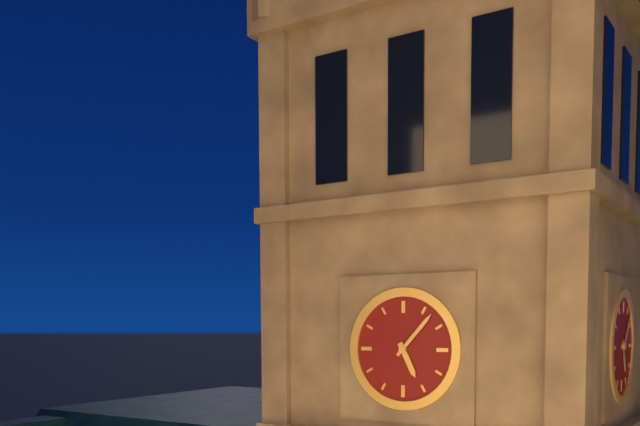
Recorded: {"hour": 5, "minute": 7}
